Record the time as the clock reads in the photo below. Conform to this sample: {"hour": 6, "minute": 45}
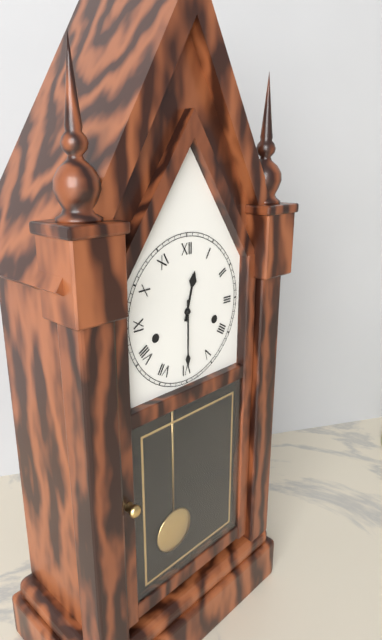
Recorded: {"hour": 12, "minute": 30}
